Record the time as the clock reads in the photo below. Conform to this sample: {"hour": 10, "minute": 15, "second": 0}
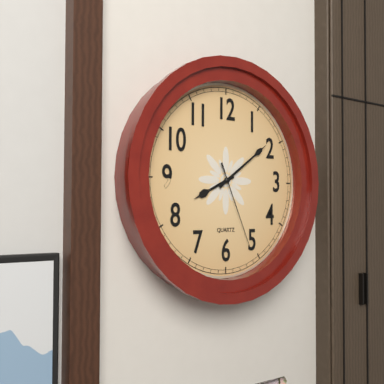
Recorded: {"hour": 8, "minute": 9, "second": 26}
